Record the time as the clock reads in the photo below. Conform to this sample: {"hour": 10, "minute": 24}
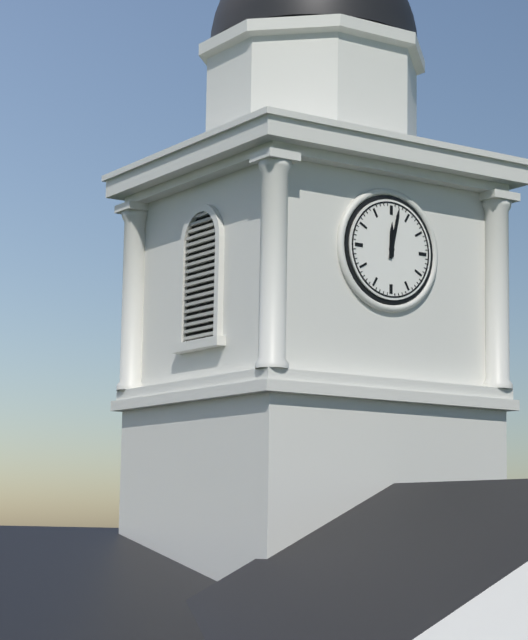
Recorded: {"hour": 12, "minute": 2}
